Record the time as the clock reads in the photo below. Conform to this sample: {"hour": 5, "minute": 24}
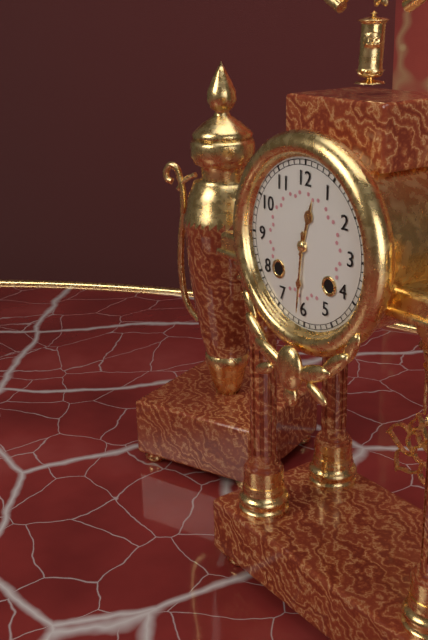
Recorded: {"hour": 12, "minute": 31}
